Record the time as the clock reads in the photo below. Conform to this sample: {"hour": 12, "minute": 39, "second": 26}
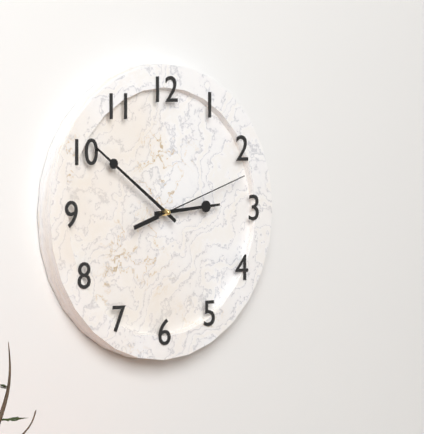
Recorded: {"hour": 2, "minute": 51, "second": 12}
